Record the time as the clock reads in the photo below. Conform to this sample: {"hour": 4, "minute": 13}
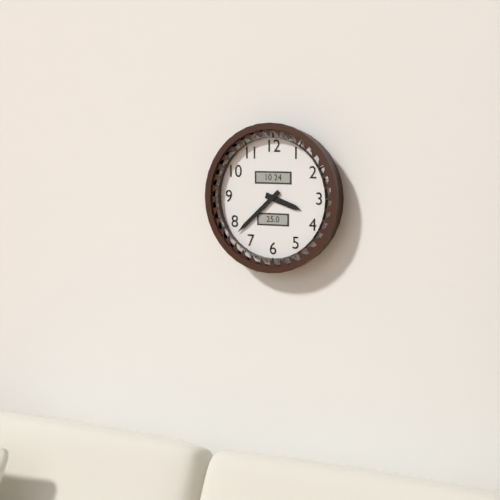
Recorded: {"hour": 3, "minute": 38}
